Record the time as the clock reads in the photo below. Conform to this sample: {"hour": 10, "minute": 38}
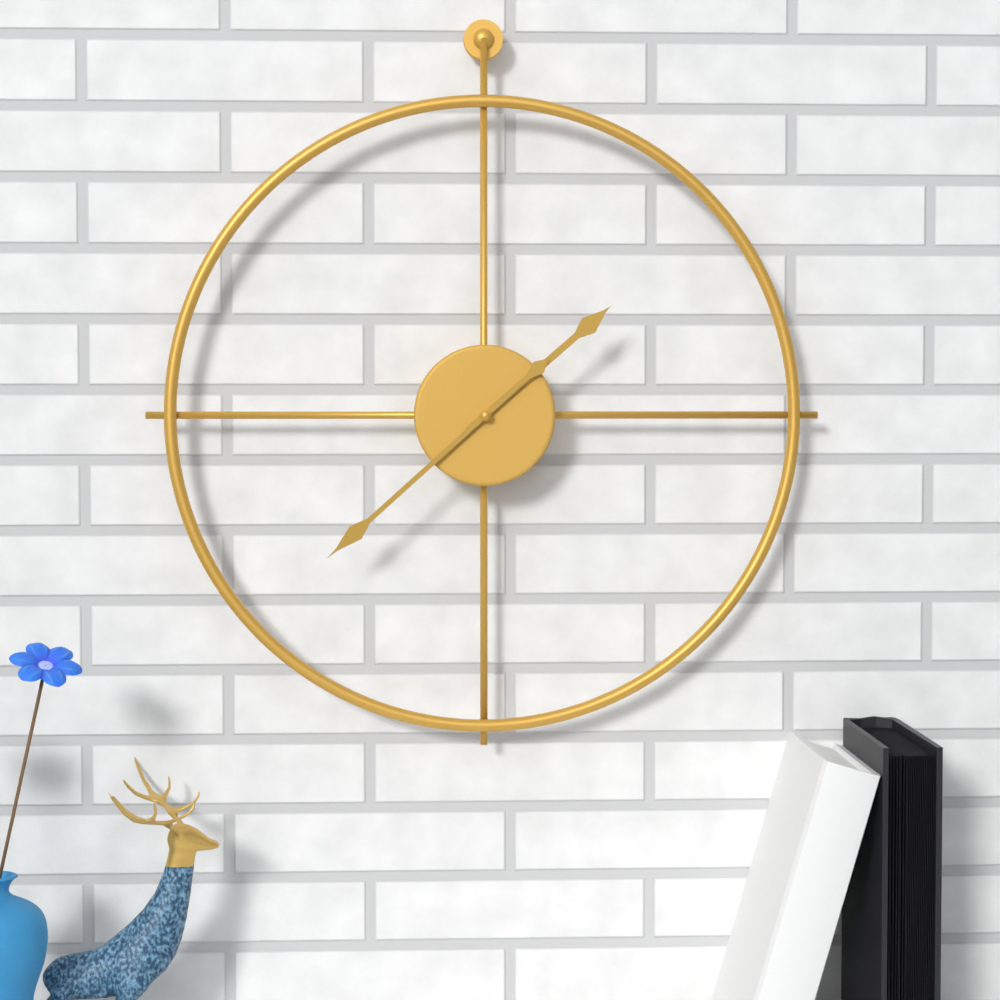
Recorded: {"hour": 1, "minute": 38}
